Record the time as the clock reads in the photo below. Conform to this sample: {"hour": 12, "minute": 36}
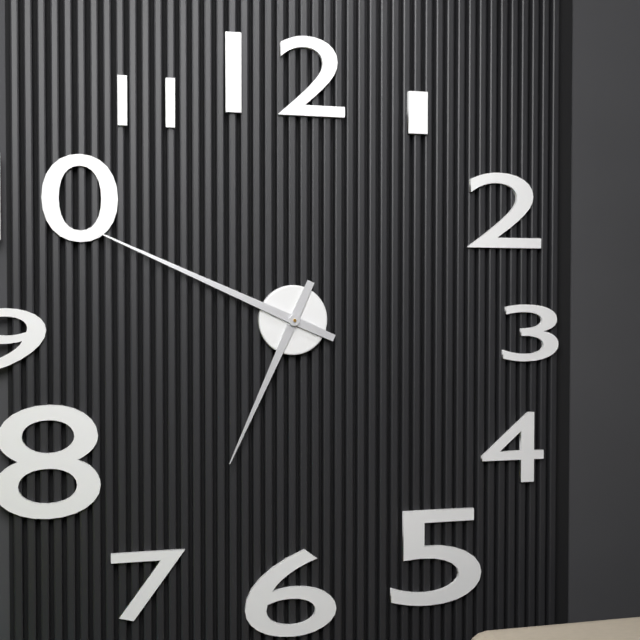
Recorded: {"hour": 6, "minute": 49}
